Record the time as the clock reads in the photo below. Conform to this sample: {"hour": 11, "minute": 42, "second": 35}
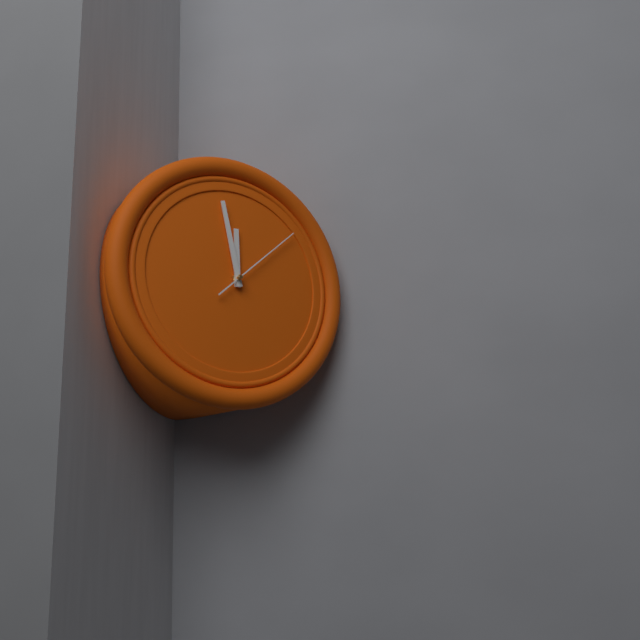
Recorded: {"hour": 11, "minute": 58, "second": 8}
